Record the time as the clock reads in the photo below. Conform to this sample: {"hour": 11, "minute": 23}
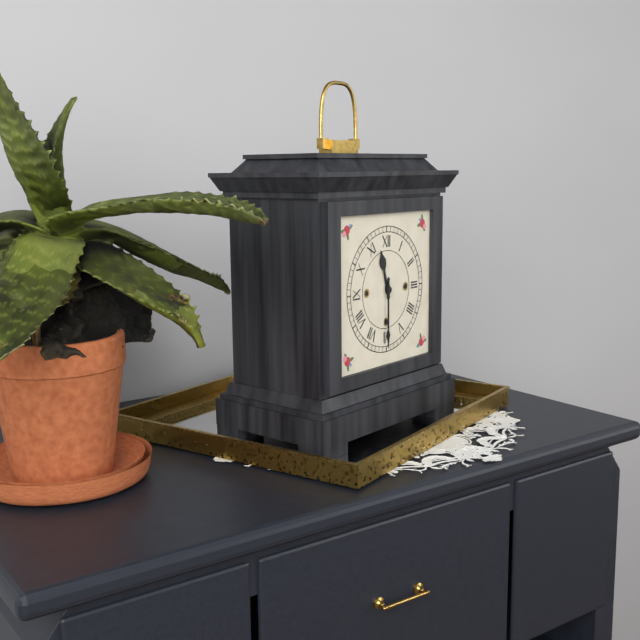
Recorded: {"hour": 11, "minute": 30}
